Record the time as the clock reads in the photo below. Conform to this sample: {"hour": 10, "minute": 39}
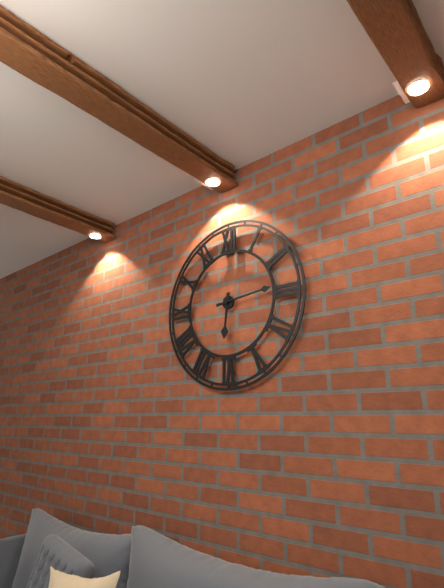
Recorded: {"hour": 6, "minute": 14}
